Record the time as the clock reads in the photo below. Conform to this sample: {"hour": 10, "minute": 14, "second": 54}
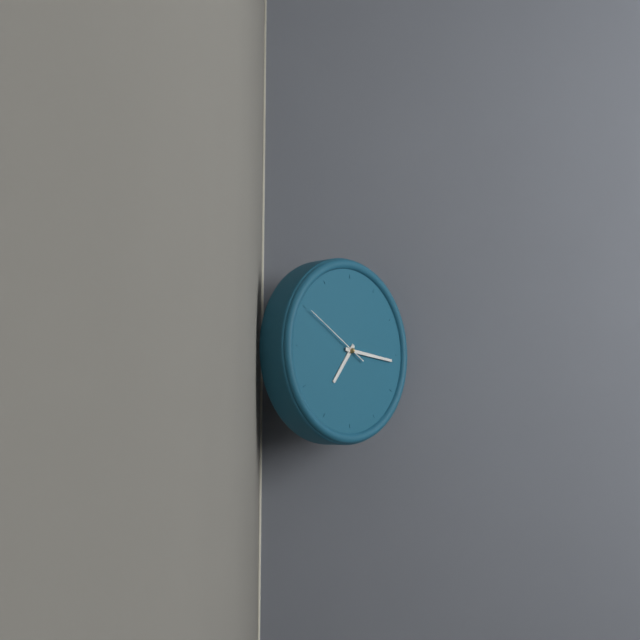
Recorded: {"hour": 7, "minute": 16, "second": 50}
